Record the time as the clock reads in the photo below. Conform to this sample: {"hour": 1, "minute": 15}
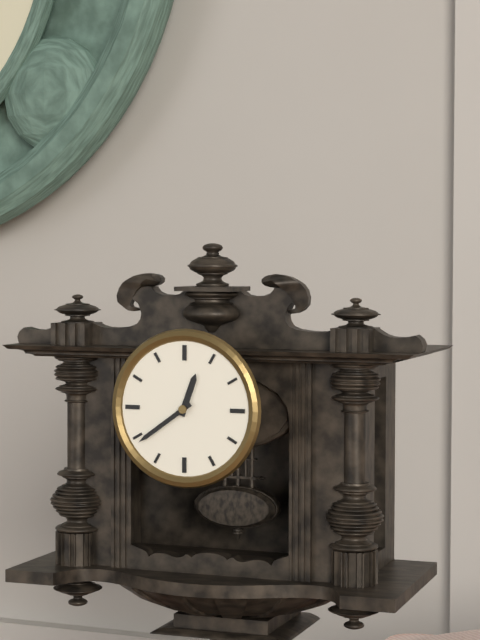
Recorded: {"hour": 12, "minute": 39}
